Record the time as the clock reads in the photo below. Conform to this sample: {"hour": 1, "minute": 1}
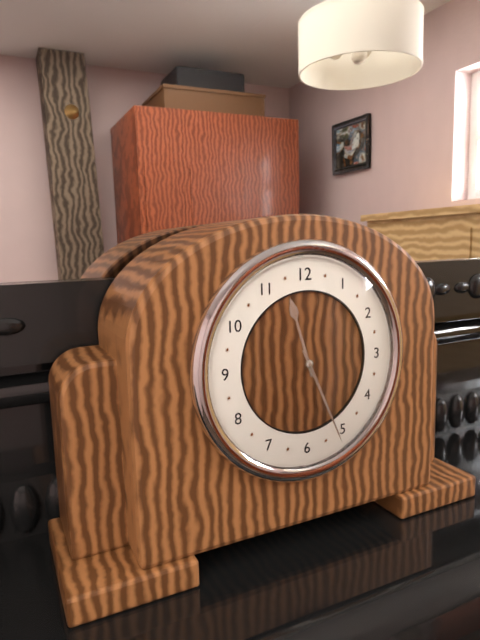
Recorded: {"hour": 11, "minute": 26}
